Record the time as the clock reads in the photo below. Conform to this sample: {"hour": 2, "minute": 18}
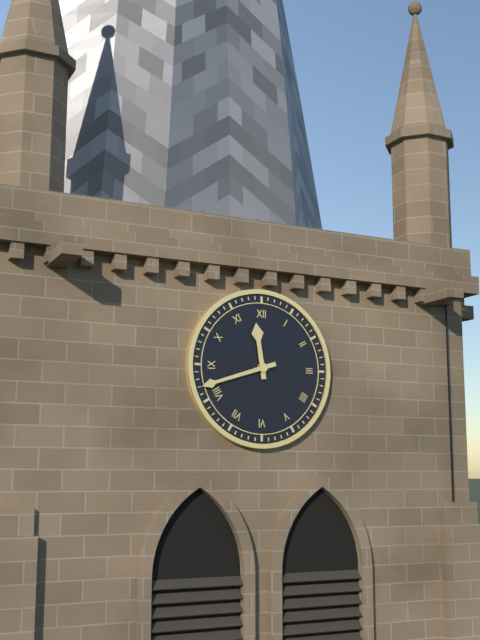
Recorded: {"hour": 11, "minute": 42}
